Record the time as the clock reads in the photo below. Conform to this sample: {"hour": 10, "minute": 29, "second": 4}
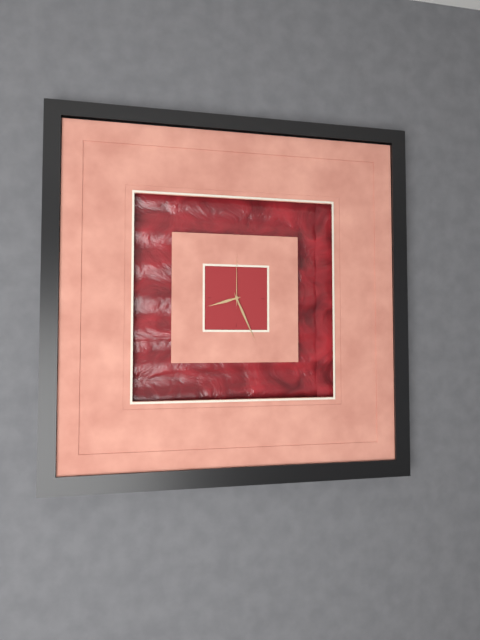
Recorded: {"hour": 8, "minute": 26, "second": 0}
